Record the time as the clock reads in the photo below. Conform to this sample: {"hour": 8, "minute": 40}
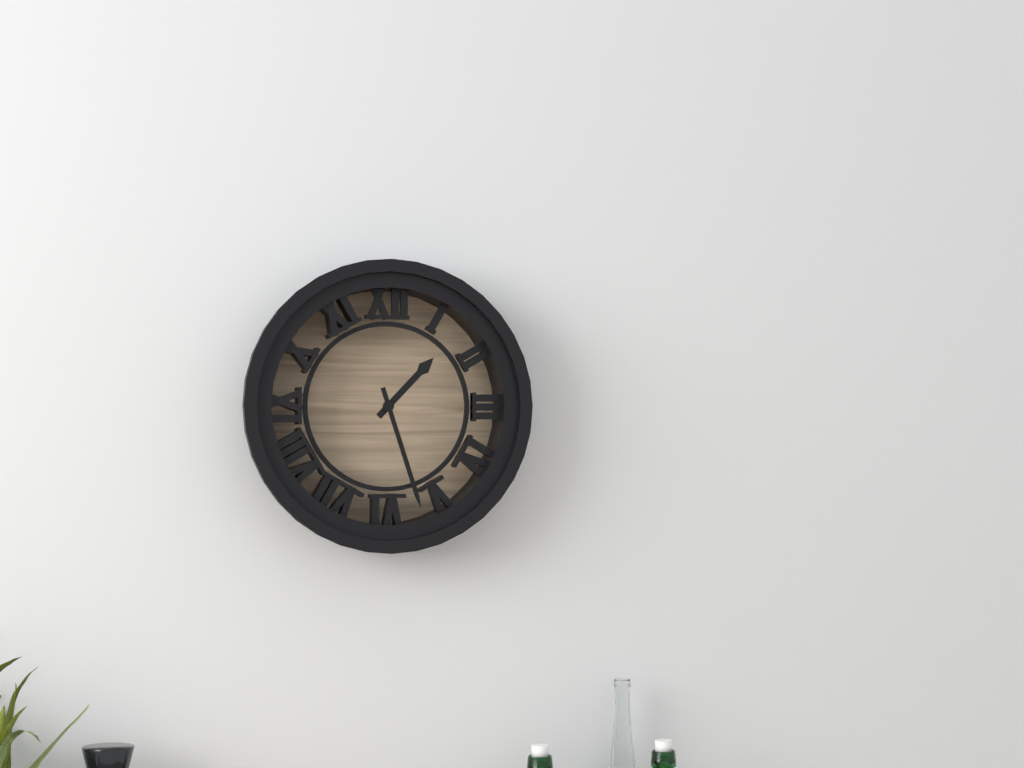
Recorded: {"hour": 1, "minute": 27}
